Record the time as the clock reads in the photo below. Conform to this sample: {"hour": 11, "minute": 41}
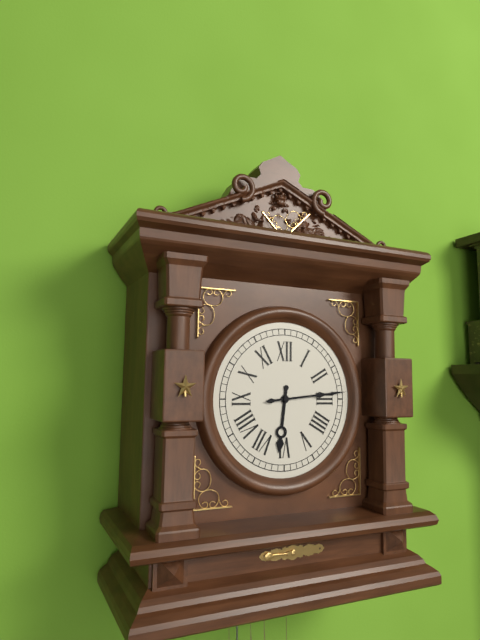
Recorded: {"hour": 6, "minute": 14}
